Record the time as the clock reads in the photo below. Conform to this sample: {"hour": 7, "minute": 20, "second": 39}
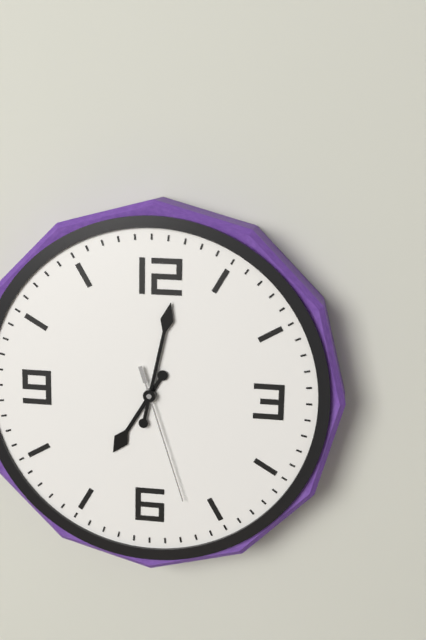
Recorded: {"hour": 7, "minute": 2, "second": 27}
